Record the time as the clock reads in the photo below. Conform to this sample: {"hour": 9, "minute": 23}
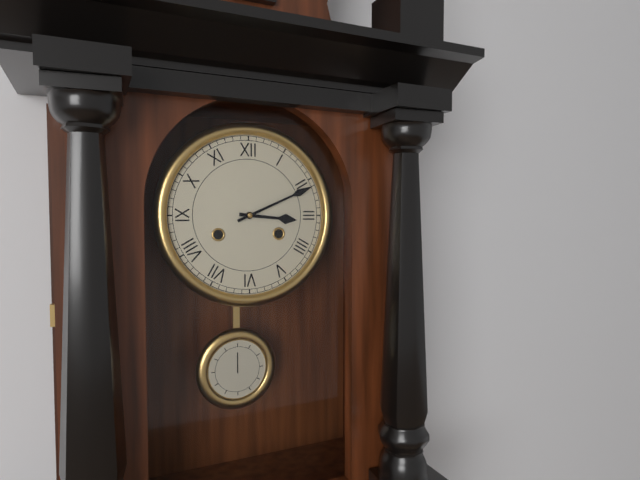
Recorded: {"hour": 3, "minute": 11}
